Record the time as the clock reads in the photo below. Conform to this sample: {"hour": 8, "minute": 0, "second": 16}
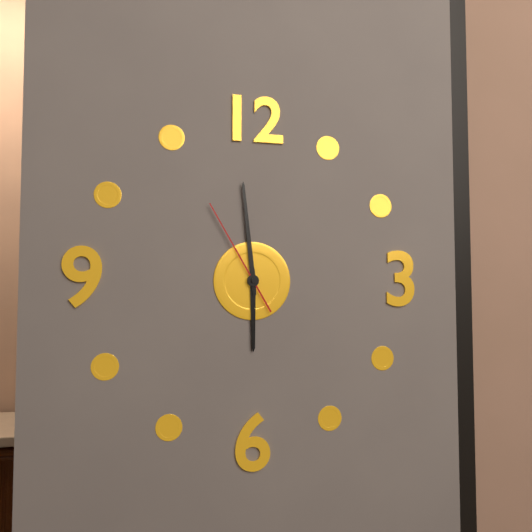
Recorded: {"hour": 5, "minute": 59, "second": 55}
